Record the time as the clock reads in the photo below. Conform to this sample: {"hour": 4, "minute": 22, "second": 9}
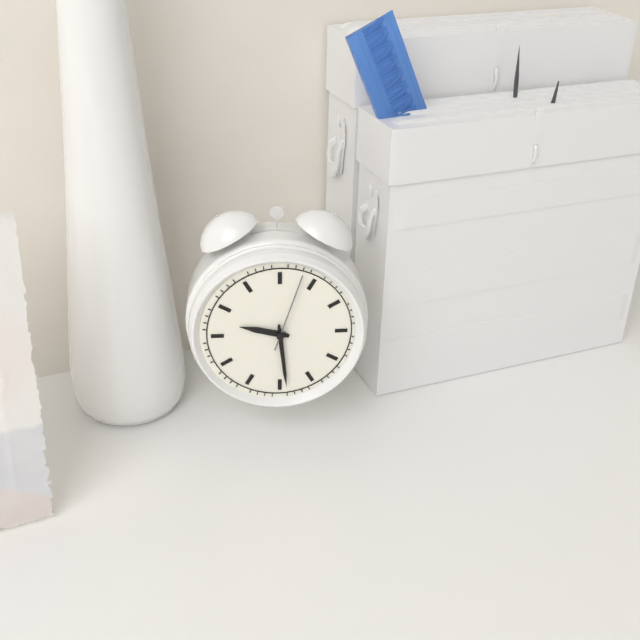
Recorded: {"hour": 9, "minute": 29, "second": 3}
